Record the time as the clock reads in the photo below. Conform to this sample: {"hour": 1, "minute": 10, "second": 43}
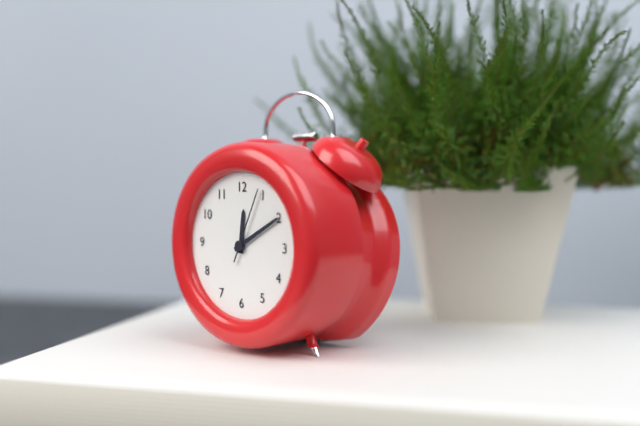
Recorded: {"hour": 12, "minute": 10, "second": 4}
